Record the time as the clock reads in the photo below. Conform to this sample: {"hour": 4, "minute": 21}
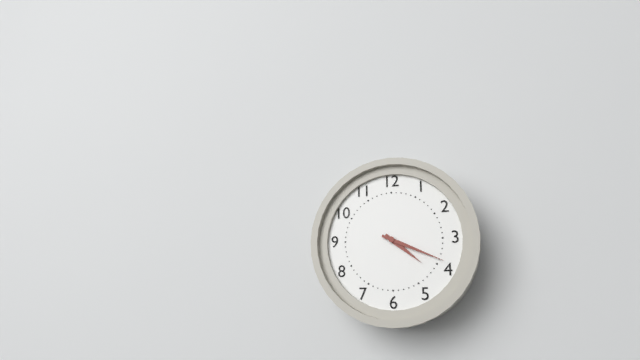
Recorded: {"hour": 4, "minute": 19}
